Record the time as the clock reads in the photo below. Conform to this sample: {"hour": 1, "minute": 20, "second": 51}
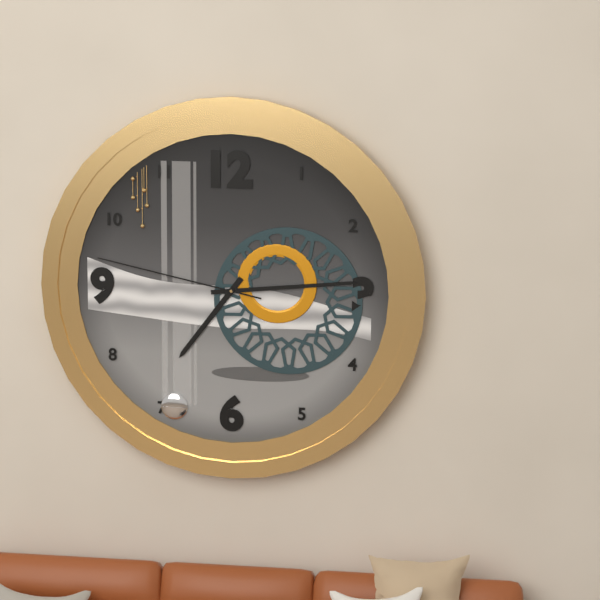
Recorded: {"hour": 7, "minute": 14, "second": 47}
